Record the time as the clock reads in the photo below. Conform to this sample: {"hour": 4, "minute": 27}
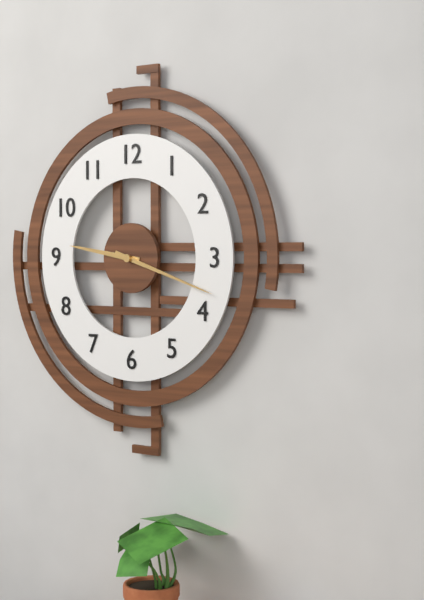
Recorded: {"hour": 9, "minute": 18}
